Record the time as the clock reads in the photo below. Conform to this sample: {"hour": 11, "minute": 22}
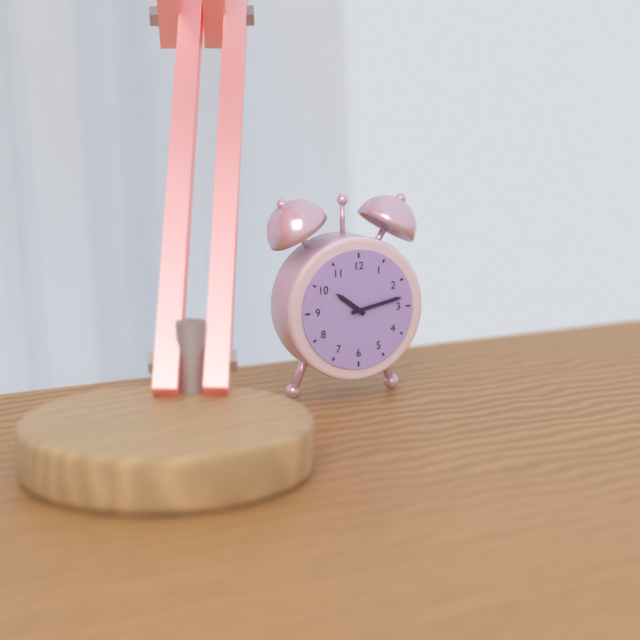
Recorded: {"hour": 10, "minute": 13}
